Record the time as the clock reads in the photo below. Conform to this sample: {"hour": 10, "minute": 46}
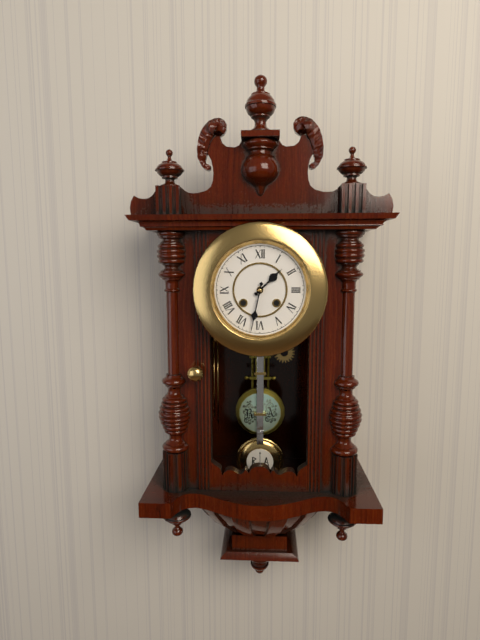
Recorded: {"hour": 1, "minute": 32}
